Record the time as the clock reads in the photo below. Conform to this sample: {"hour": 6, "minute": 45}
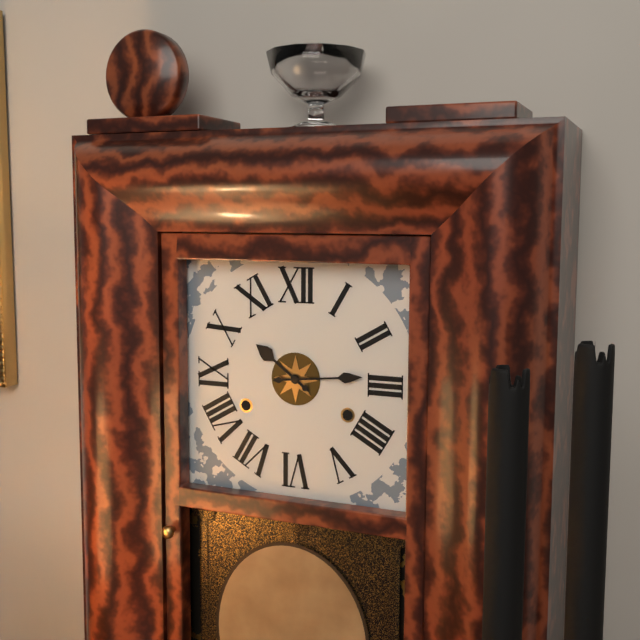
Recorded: {"hour": 10, "minute": 14}
